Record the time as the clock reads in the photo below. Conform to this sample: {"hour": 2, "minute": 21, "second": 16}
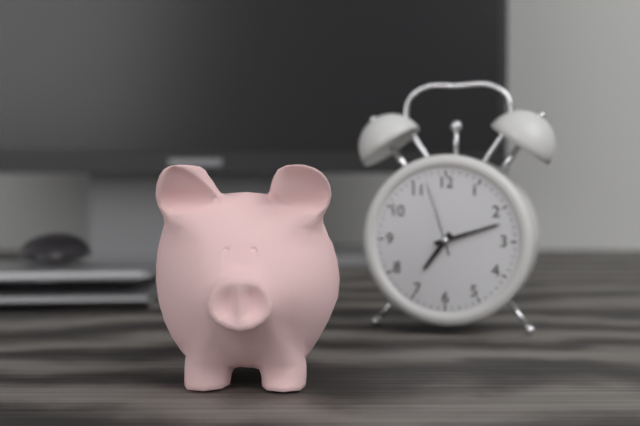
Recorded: {"hour": 7, "minute": 12, "second": 57}
